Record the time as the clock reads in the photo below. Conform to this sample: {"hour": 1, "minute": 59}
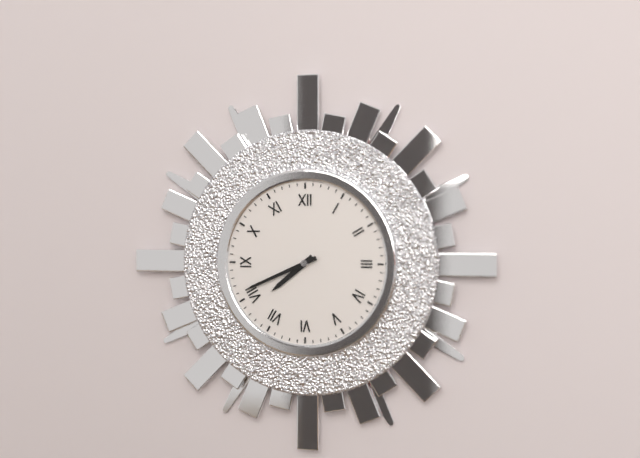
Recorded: {"hour": 7, "minute": 41}
